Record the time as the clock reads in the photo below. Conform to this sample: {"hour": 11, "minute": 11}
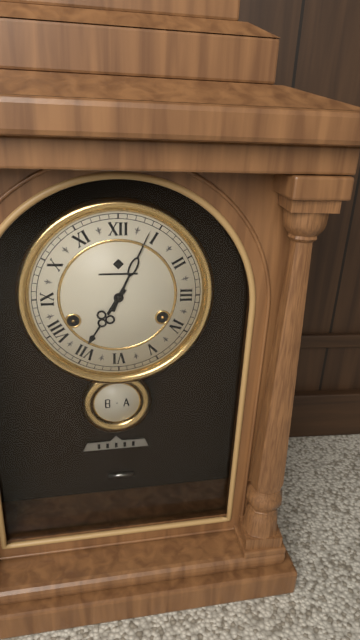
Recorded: {"hour": 7, "minute": 4}
